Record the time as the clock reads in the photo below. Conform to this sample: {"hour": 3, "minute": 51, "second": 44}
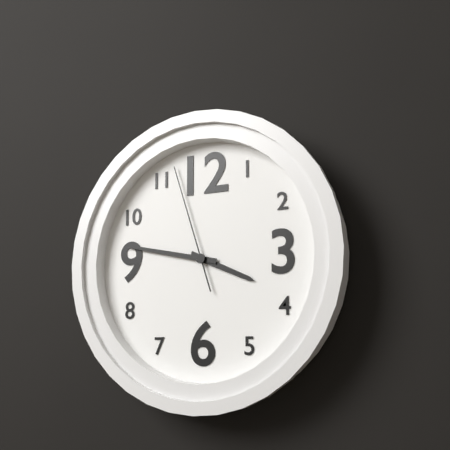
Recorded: {"hour": 3, "minute": 47, "second": 57}
